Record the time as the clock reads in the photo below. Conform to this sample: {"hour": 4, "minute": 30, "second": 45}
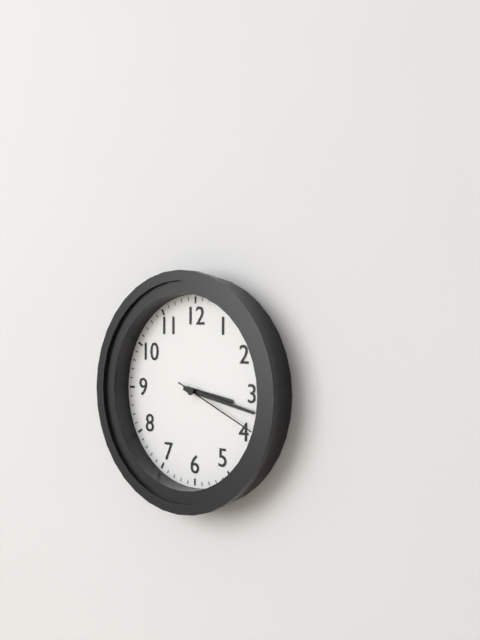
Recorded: {"hour": 3, "minute": 17, "second": 19}
